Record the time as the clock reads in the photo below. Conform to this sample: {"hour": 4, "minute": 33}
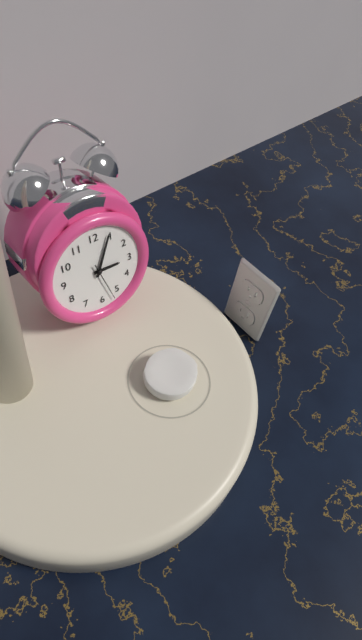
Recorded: {"hour": 3, "minute": 4}
